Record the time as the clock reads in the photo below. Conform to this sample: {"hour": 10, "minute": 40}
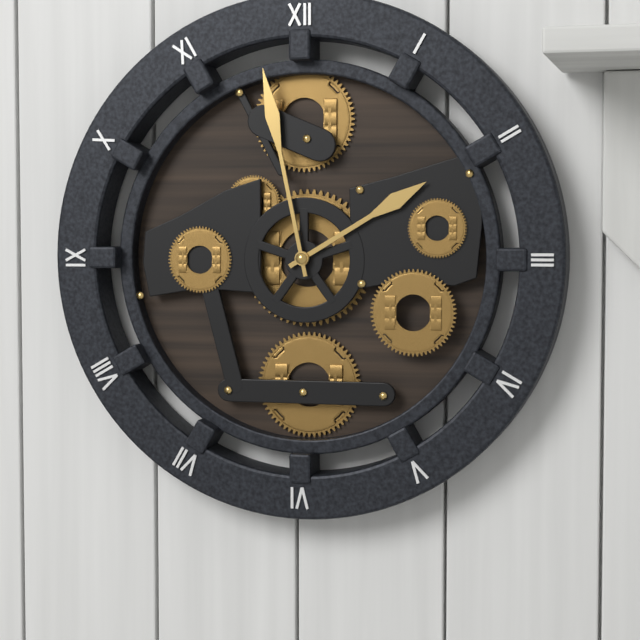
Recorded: {"hour": 1, "minute": 58}
